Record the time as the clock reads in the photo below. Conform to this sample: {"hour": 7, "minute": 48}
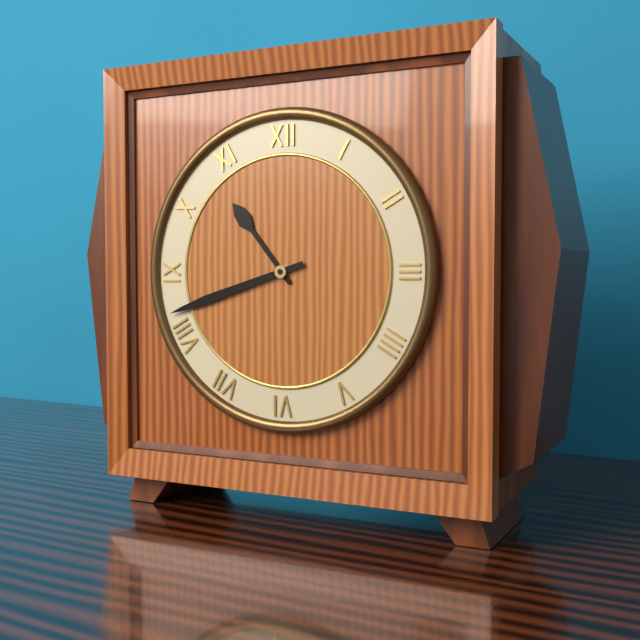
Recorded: {"hour": 10, "minute": 42}
